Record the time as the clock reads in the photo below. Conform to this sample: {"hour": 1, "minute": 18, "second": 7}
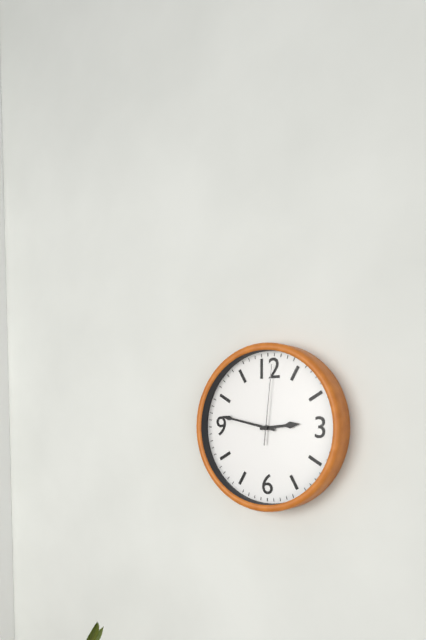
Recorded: {"hour": 2, "minute": 47, "second": 1}
